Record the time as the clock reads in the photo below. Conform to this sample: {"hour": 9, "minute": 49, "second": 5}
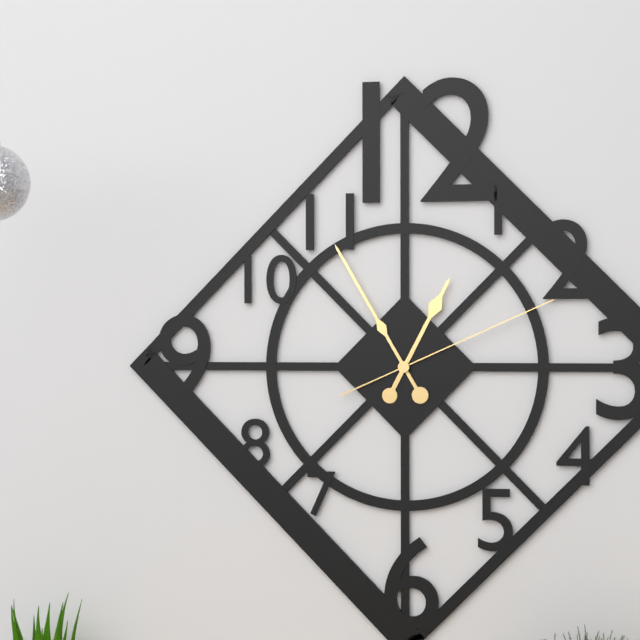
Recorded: {"hour": 12, "minute": 55, "second": 11}
